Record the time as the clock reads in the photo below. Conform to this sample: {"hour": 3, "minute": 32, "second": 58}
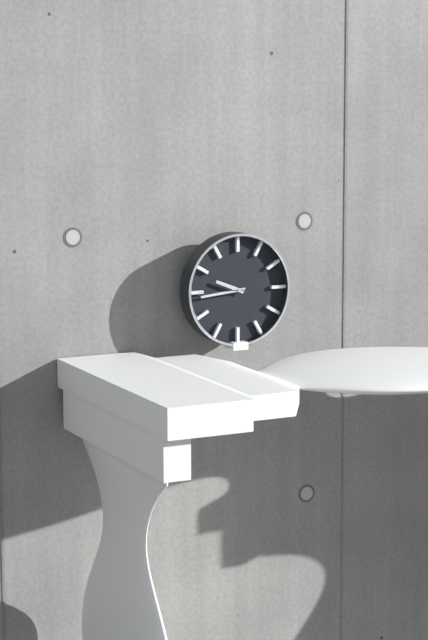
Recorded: {"hour": 9, "minute": 44, "second": 45}
